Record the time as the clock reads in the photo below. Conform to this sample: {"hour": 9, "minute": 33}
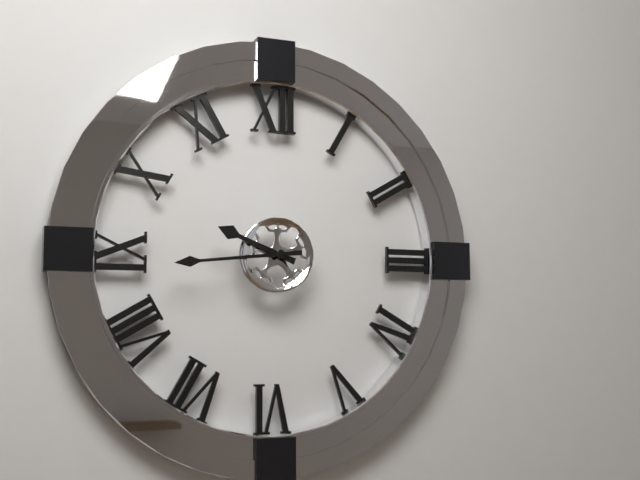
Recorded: {"hour": 9, "minute": 44}
